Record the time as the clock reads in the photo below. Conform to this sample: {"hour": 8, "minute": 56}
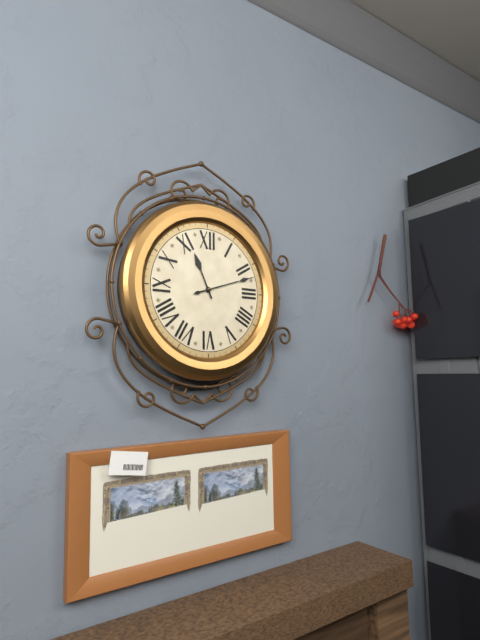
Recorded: {"hour": 11, "minute": 12}
